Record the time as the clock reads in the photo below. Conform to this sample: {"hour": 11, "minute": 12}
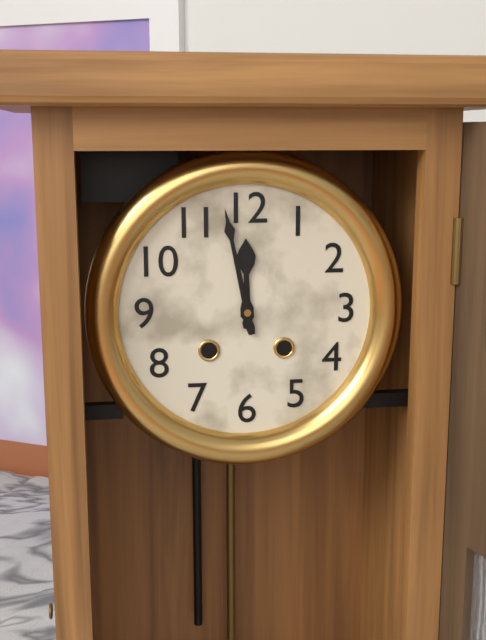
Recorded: {"hour": 11, "minute": 58}
